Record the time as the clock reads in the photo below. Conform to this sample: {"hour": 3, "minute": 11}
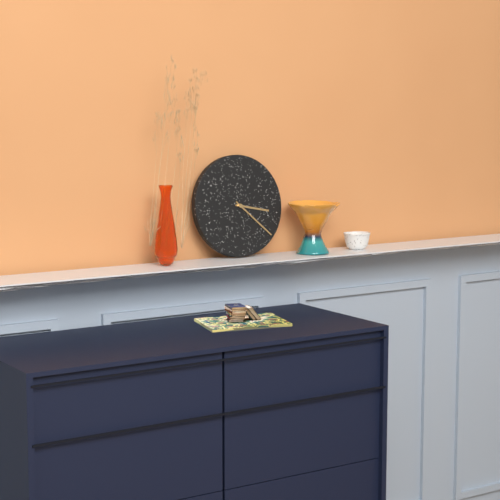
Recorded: {"hour": 3, "minute": 22}
